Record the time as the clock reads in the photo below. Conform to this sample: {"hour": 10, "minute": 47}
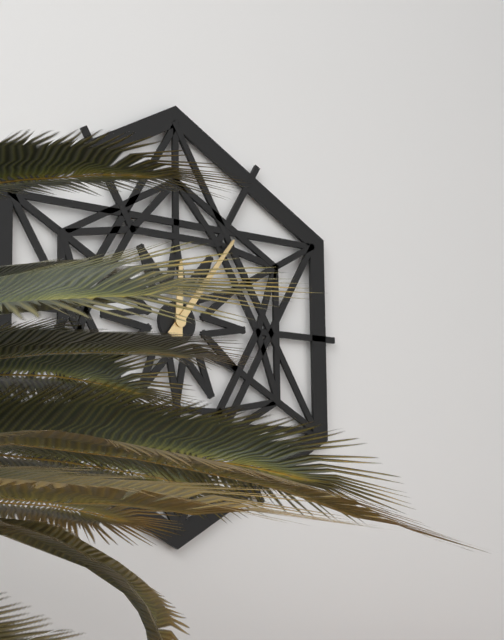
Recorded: {"hour": 12, "minute": 6}
